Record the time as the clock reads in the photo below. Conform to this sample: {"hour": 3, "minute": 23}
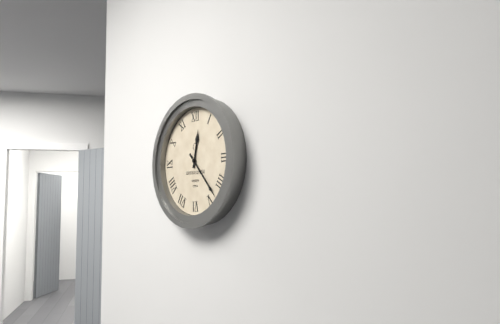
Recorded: {"hour": 12, "minute": 23}
